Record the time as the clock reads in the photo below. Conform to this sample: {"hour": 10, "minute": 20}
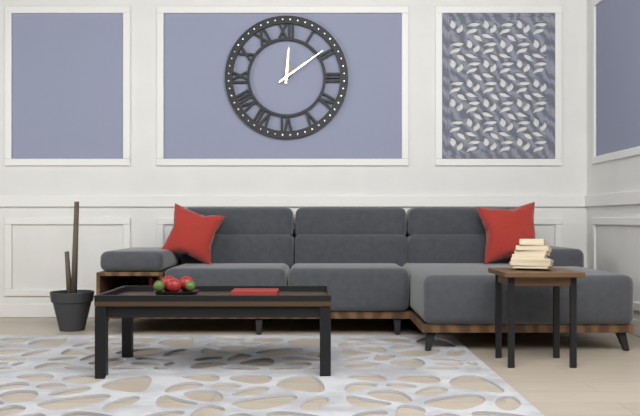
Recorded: {"hour": 12, "minute": 9}
